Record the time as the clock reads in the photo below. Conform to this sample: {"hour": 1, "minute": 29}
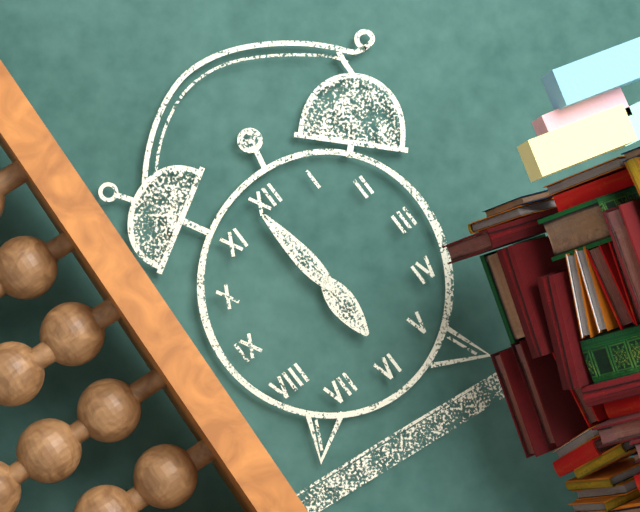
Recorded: {"hour": 5, "minute": 59}
